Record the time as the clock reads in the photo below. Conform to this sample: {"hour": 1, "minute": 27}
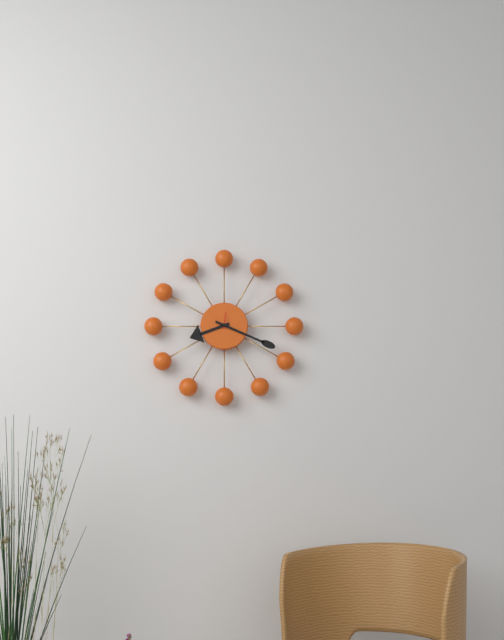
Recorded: {"hour": 8, "minute": 19}
